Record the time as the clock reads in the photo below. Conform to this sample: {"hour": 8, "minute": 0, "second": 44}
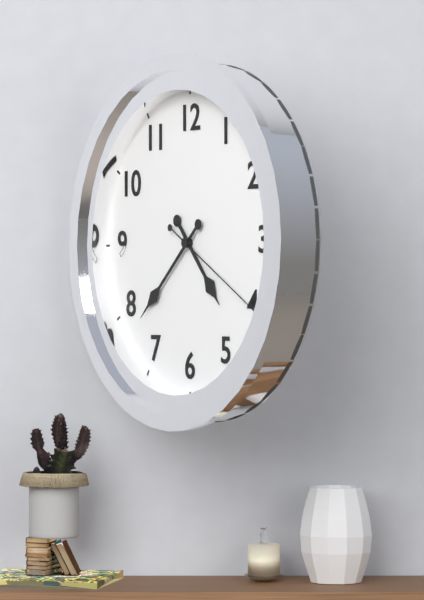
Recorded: {"hour": 4, "minute": 38, "second": 20}
